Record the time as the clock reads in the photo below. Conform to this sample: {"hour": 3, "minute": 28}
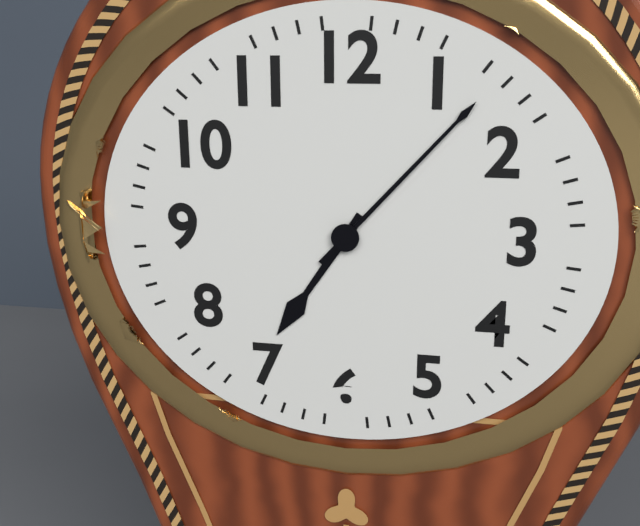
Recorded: {"hour": 7, "minute": 7}
